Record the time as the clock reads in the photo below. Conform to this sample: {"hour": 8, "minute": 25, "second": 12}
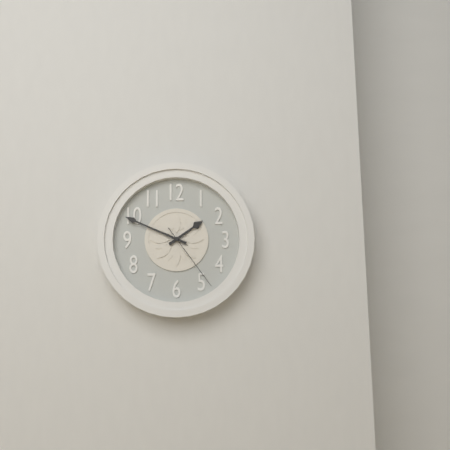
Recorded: {"hour": 1, "minute": 49, "second": 24}
